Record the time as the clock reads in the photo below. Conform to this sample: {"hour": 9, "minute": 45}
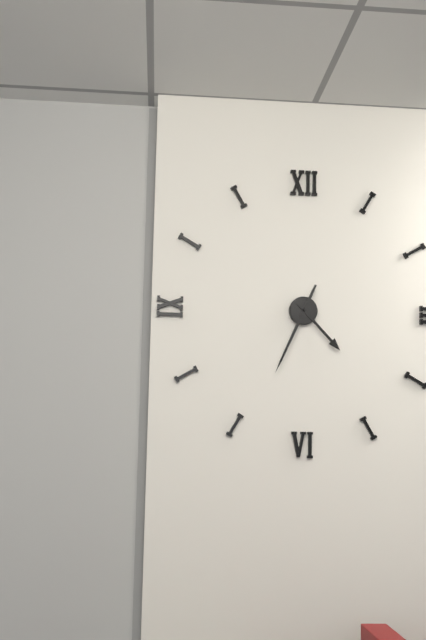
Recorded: {"hour": 4, "minute": 34}
